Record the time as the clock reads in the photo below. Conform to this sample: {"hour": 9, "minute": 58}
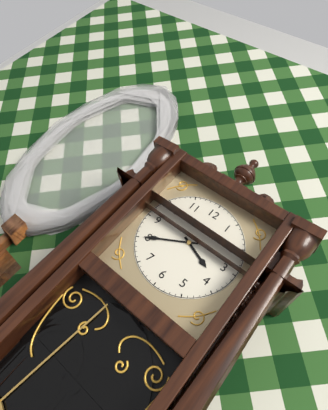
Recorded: {"hour": 3, "minute": 40}
